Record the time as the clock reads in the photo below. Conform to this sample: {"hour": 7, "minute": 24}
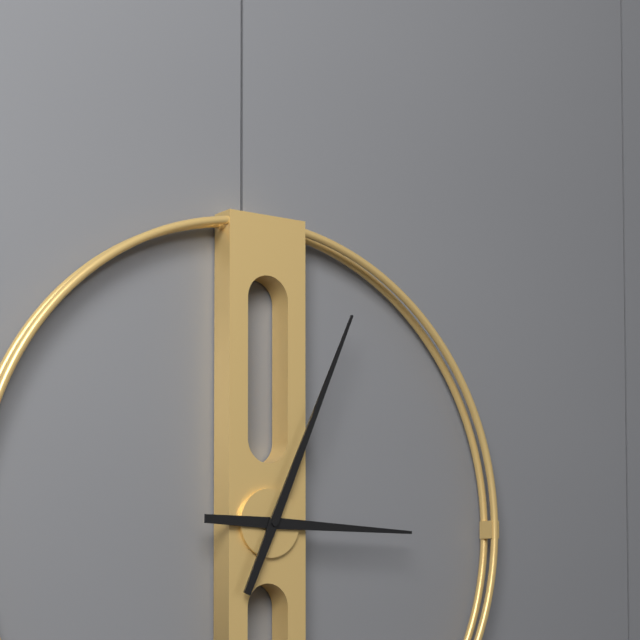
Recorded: {"hour": 3, "minute": 4}
